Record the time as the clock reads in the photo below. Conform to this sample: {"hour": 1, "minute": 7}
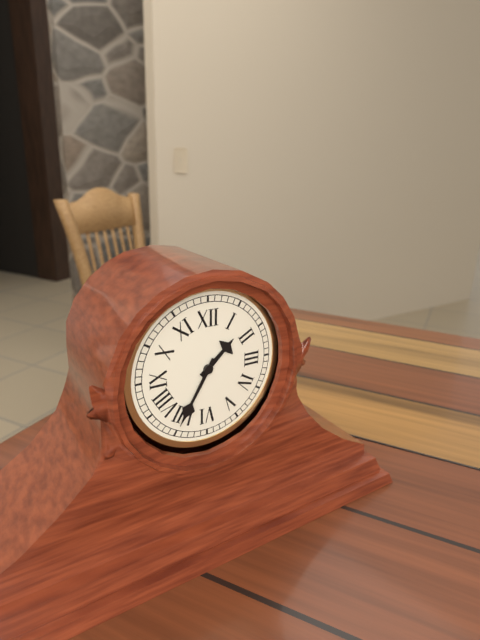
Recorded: {"hour": 1, "minute": 35}
